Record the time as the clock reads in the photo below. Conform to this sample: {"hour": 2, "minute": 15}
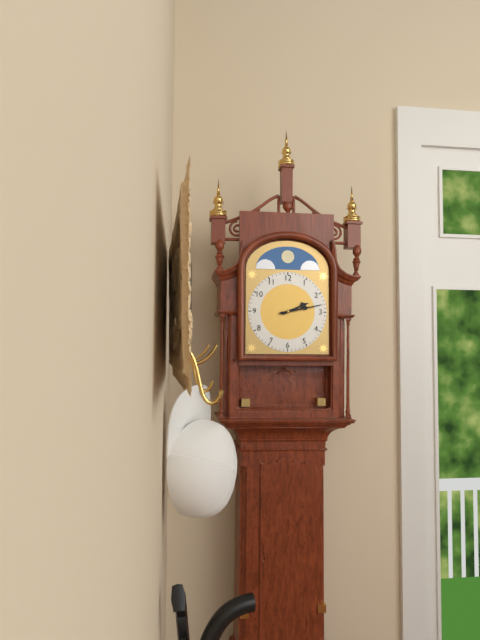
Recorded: {"hour": 2, "minute": 13}
